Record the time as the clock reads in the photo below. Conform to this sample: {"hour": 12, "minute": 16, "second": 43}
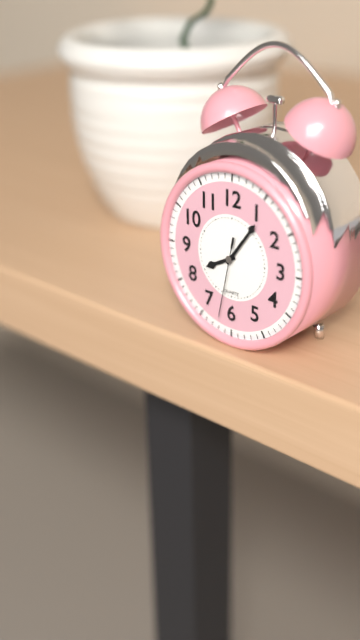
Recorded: {"hour": 8, "minute": 6, "second": 32}
